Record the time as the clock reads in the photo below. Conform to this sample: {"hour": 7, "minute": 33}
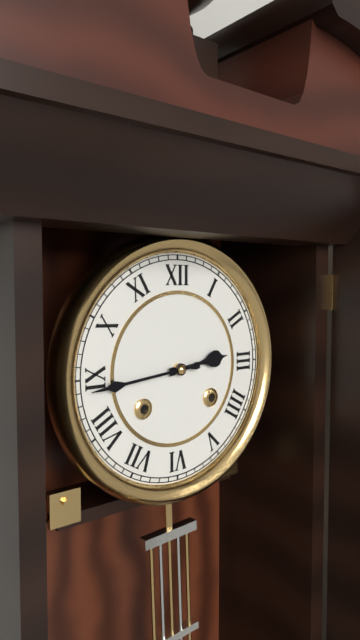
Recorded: {"hour": 2, "minute": 44}
